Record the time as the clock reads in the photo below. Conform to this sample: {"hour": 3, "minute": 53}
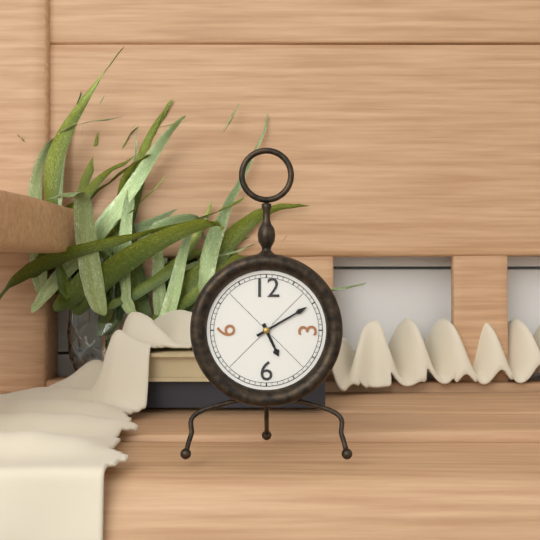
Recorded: {"hour": 5, "minute": 10}
